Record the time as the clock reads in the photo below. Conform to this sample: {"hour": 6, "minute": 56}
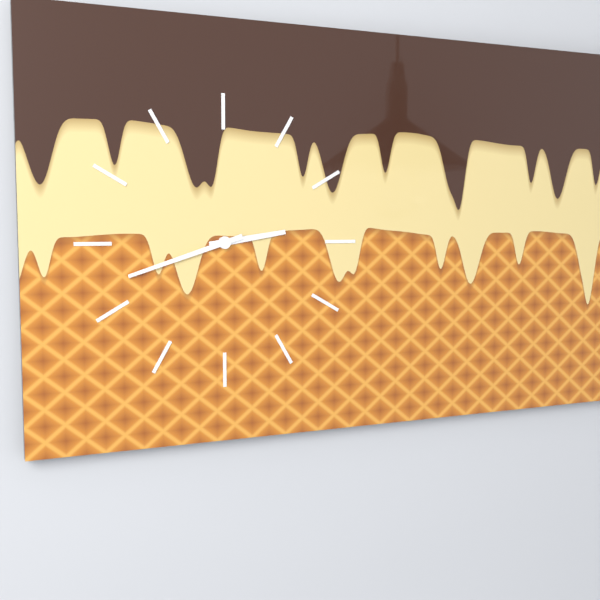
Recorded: {"hour": 2, "minute": 42}
